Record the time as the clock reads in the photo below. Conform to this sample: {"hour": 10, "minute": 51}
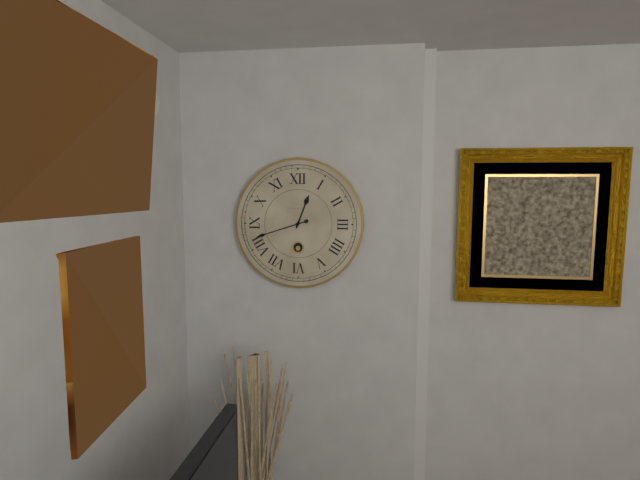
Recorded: {"hour": 12, "minute": 42}
